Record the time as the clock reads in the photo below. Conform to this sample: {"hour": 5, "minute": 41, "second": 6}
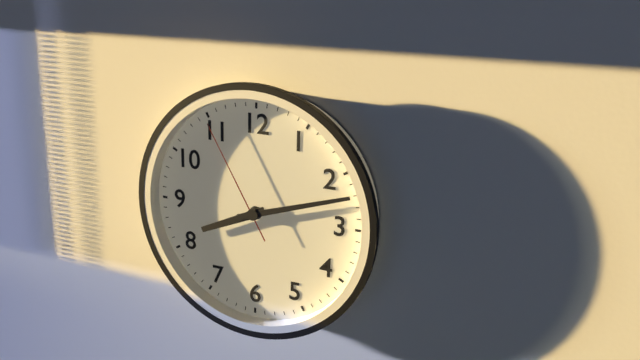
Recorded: {"hour": 8, "minute": 12, "second": 55}
